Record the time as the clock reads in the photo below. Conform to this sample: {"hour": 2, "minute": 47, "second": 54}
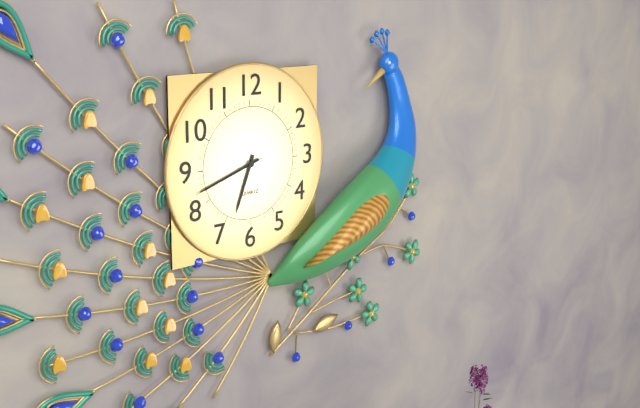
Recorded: {"hour": 6, "minute": 42, "second": 42}
